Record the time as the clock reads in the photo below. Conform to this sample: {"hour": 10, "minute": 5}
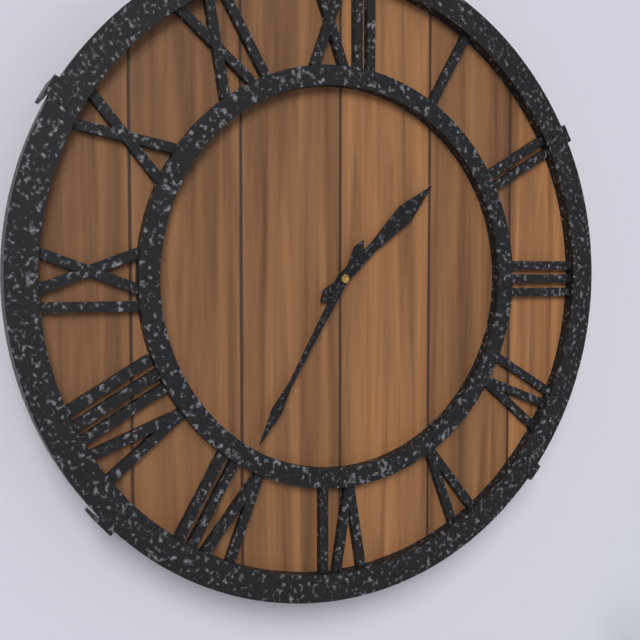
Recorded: {"hour": 1, "minute": 35}
